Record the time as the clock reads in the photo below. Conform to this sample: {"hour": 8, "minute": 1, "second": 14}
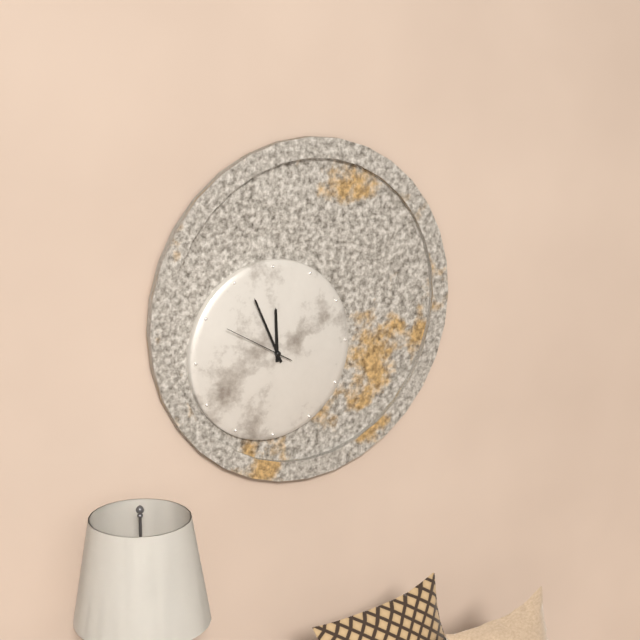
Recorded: {"hour": 11, "minute": 56, "second": 50}
